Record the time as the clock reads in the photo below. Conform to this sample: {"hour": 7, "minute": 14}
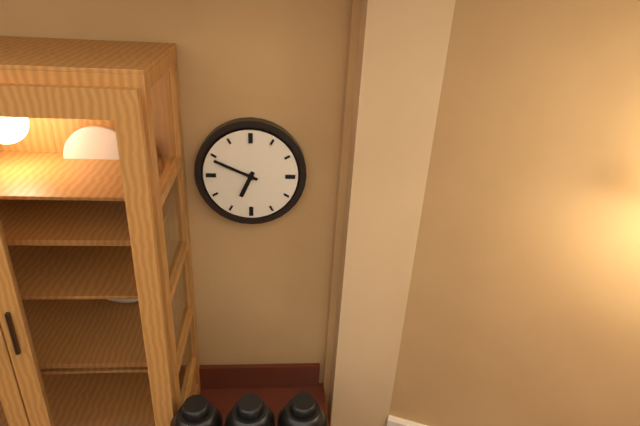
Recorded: {"hour": 6, "minute": 49}
